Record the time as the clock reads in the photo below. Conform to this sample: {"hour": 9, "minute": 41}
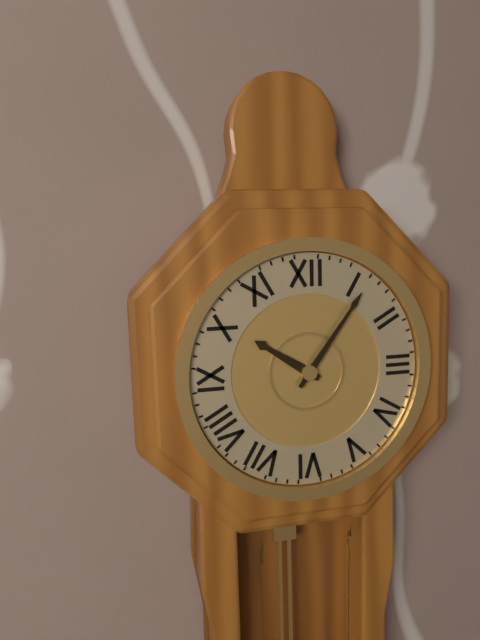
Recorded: {"hour": 10, "minute": 6}
